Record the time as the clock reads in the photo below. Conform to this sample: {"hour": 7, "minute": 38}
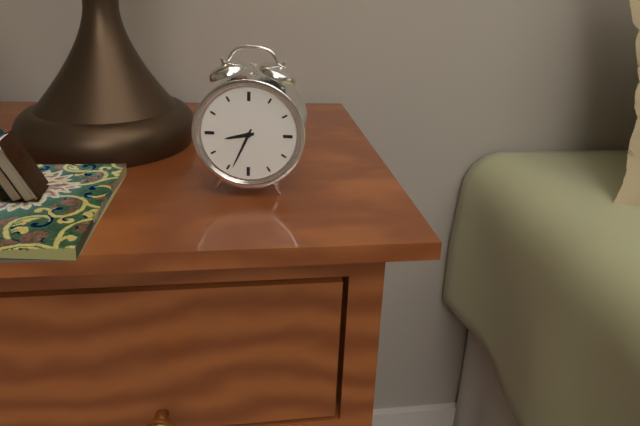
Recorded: {"hour": 8, "minute": 34}
